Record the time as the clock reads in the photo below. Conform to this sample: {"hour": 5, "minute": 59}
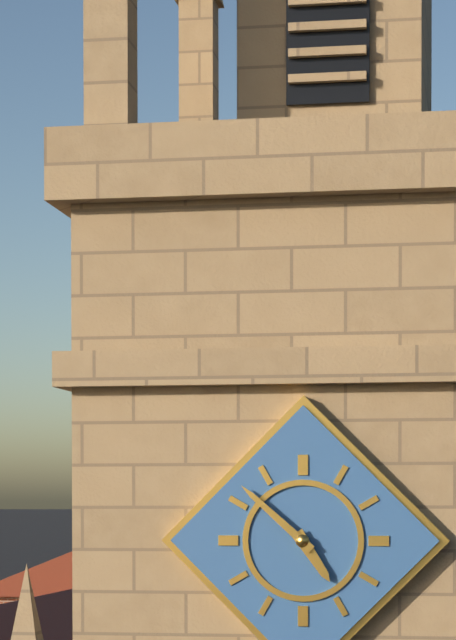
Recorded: {"hour": 4, "minute": 52}
